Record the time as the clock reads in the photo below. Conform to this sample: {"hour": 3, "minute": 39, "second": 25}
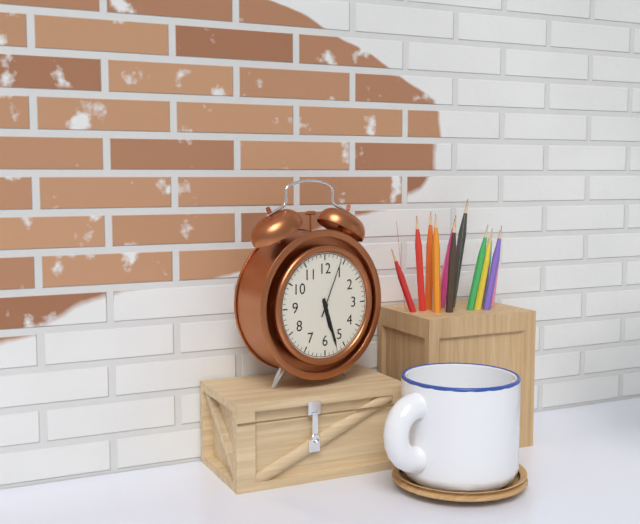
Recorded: {"hour": 5, "minute": 27, "second": 4}
